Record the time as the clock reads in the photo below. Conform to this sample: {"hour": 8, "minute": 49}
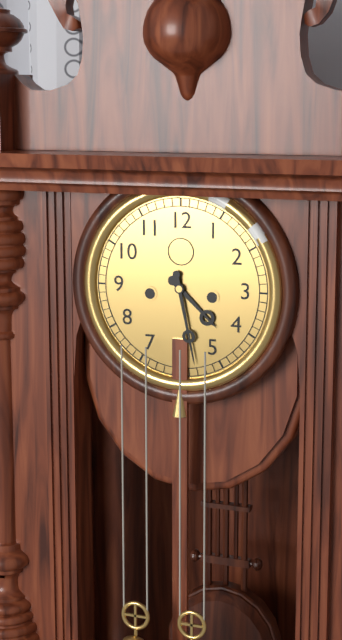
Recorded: {"hour": 4, "minute": 28}
